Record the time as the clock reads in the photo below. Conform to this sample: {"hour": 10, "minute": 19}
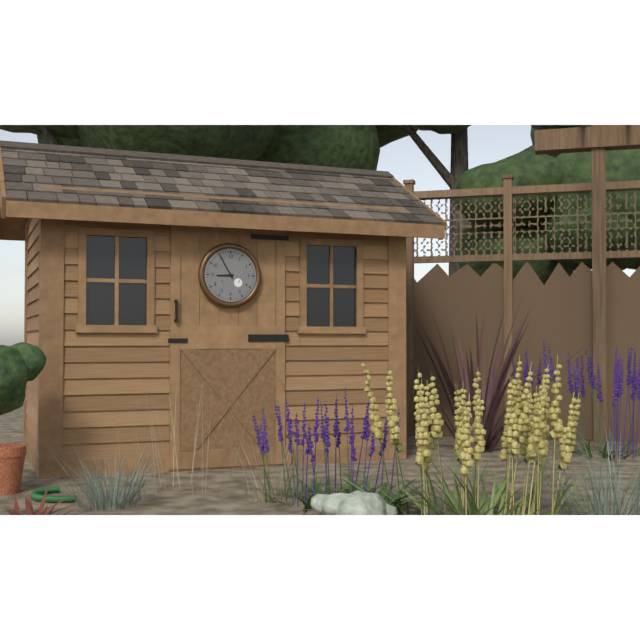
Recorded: {"hour": 8, "minute": 55}
